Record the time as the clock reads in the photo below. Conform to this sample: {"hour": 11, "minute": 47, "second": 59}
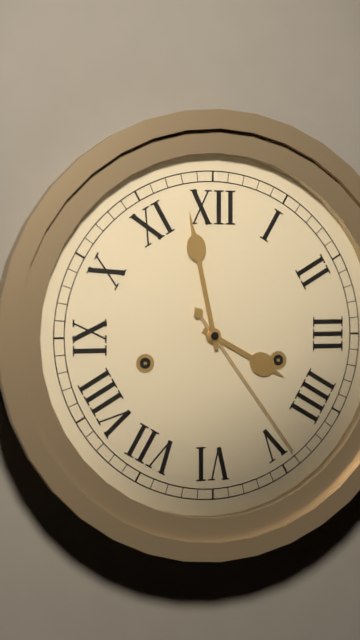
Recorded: {"hour": 3, "minute": 58, "second": 24}
